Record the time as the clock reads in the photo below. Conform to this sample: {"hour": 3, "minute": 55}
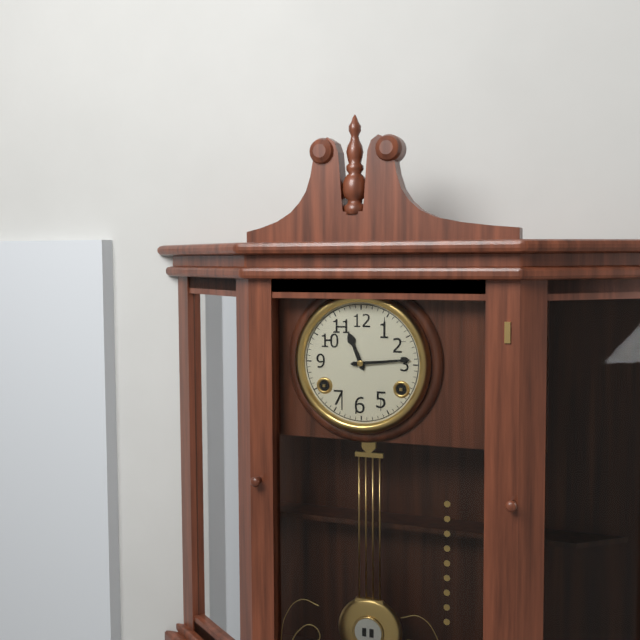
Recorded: {"hour": 11, "minute": 14}
